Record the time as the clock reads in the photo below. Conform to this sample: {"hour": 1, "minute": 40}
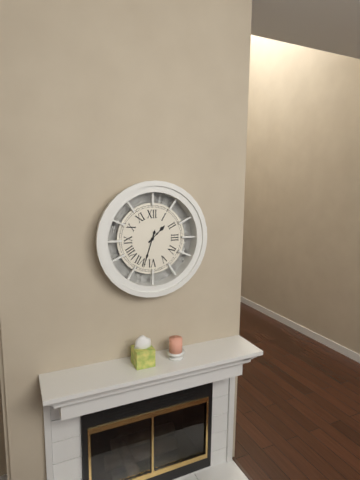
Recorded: {"hour": 1, "minute": 33}
